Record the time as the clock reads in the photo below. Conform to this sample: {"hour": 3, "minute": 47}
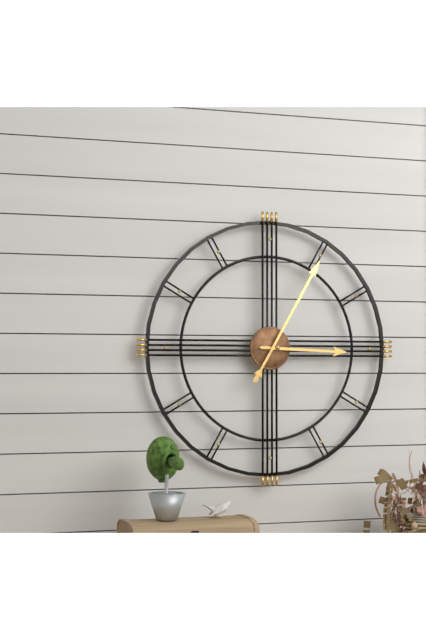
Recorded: {"hour": 3, "minute": 5}
